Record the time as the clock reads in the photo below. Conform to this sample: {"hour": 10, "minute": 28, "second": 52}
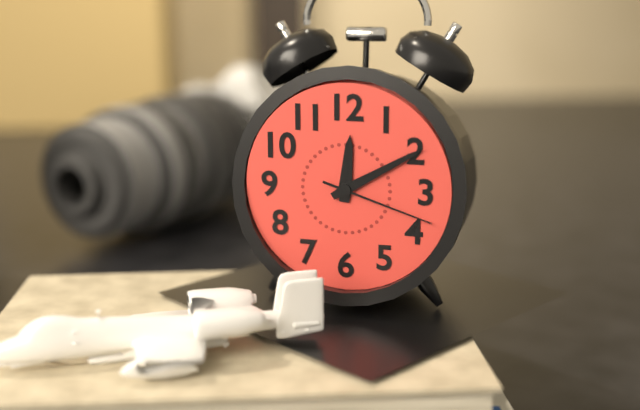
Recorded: {"hour": 12, "minute": 10, "second": 18}
